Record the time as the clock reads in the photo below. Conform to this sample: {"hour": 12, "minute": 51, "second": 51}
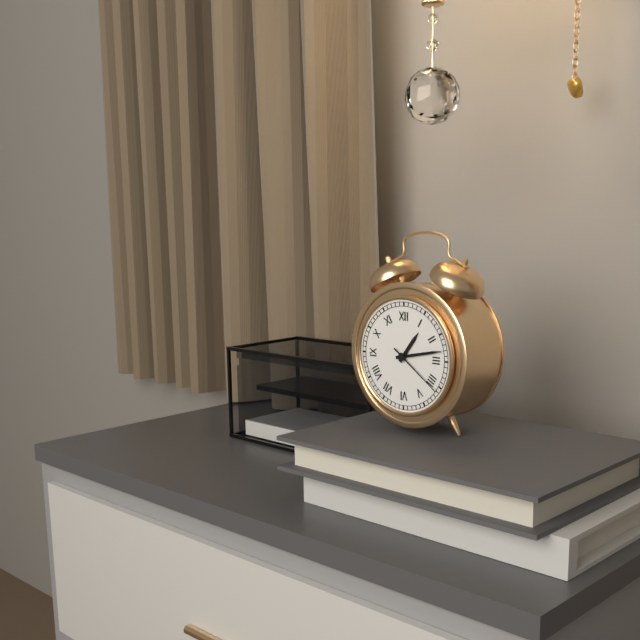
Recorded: {"hour": 1, "minute": 13, "second": 21}
